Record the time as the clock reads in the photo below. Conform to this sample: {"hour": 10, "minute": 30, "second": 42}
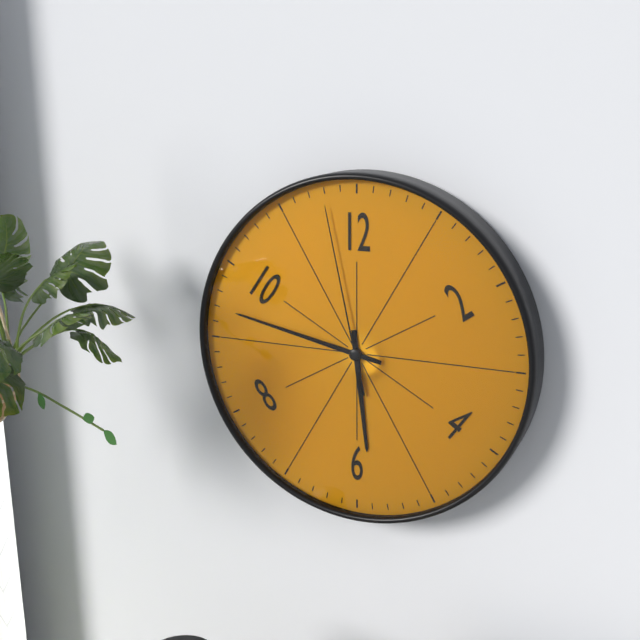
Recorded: {"hour": 5, "minute": 47, "second": 58}
